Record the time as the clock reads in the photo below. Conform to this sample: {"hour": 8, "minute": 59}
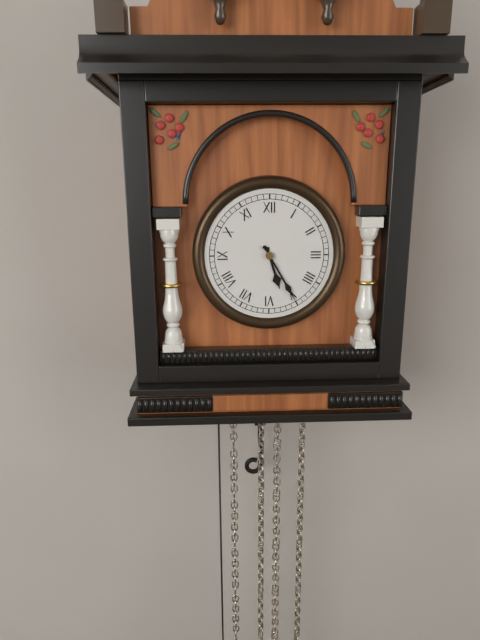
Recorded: {"hour": 5, "minute": 25}
